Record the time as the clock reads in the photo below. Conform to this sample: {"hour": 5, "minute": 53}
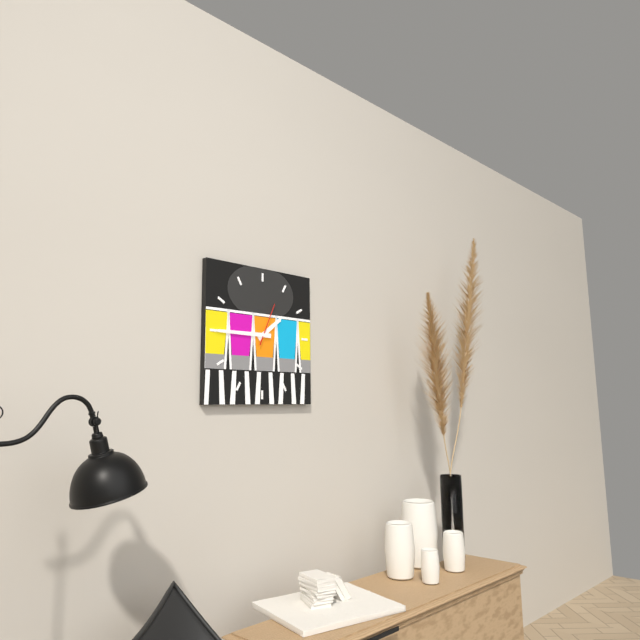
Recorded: {"hour": 1, "minute": 45}
